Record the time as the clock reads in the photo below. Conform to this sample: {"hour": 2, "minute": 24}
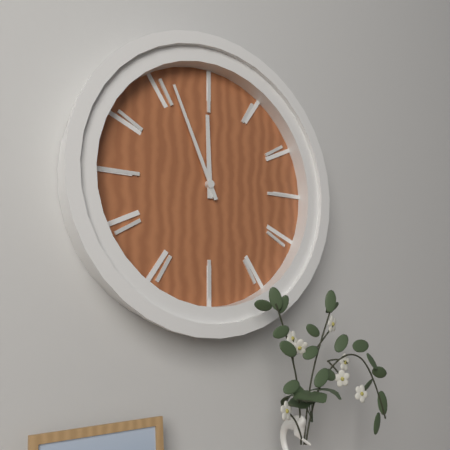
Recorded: {"hour": 11, "minute": 56}
